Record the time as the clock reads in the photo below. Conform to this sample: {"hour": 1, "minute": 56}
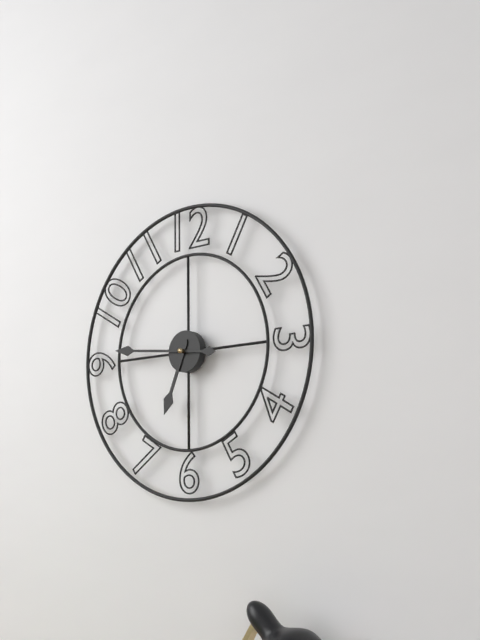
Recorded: {"hour": 6, "minute": 46}
